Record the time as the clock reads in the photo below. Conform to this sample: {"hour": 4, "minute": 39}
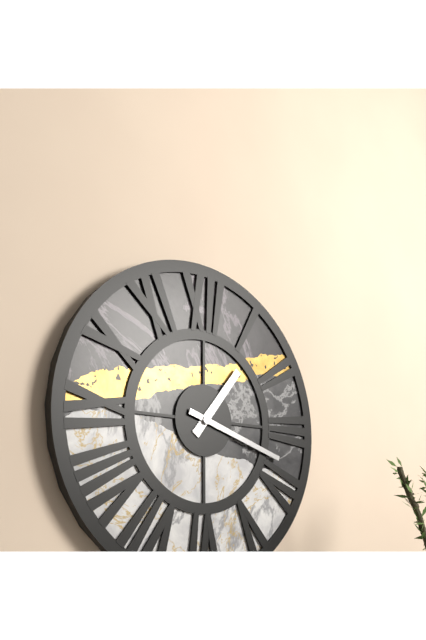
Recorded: {"hour": 1, "minute": 18}
